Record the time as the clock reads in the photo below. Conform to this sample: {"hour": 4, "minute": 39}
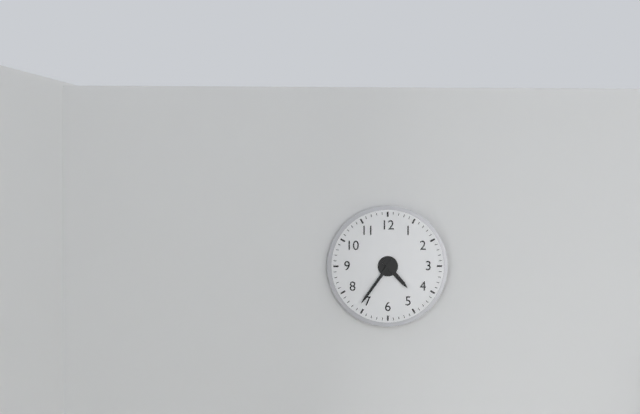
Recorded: {"hour": 4, "minute": 36}
